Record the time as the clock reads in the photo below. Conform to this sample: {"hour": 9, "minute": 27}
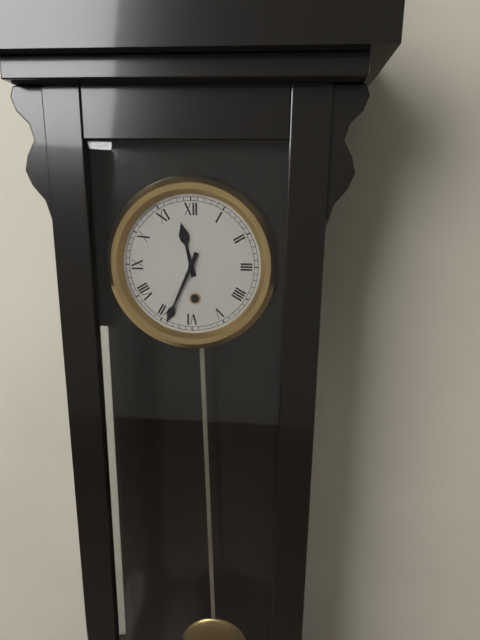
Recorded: {"hour": 11, "minute": 34}
